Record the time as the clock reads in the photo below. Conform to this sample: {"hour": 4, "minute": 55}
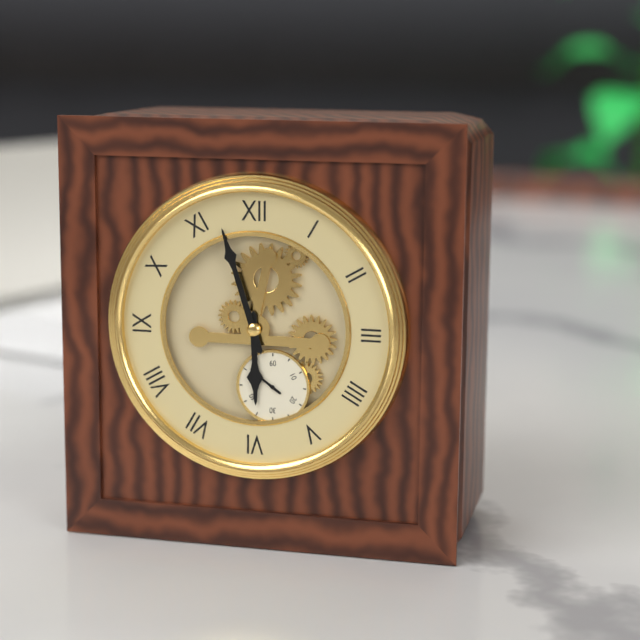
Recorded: {"hour": 5, "minute": 57}
